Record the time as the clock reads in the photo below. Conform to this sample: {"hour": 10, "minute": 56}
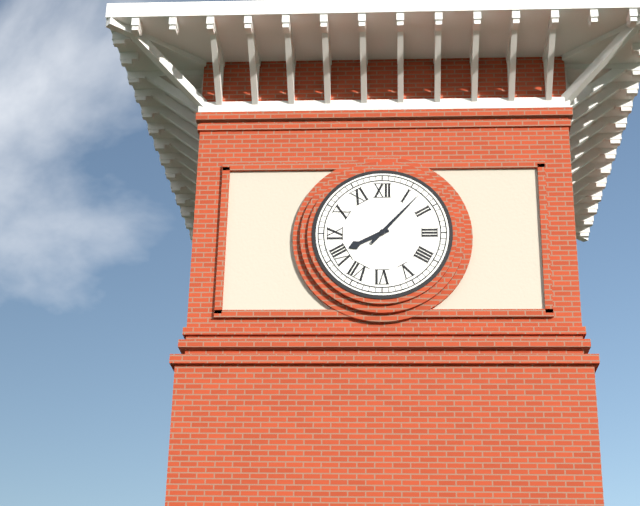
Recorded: {"hour": 8, "minute": 7}
